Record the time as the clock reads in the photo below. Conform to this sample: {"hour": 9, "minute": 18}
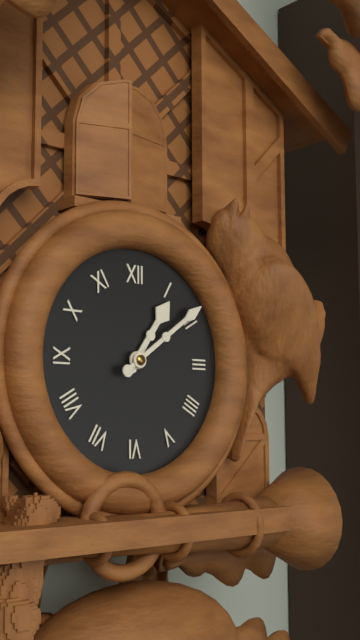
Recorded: {"hour": 1, "minute": 9}
